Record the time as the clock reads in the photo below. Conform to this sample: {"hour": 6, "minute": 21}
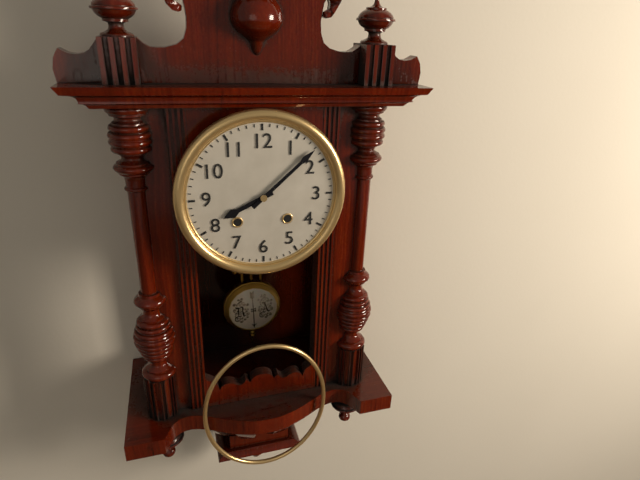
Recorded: {"hour": 8, "minute": 8}
